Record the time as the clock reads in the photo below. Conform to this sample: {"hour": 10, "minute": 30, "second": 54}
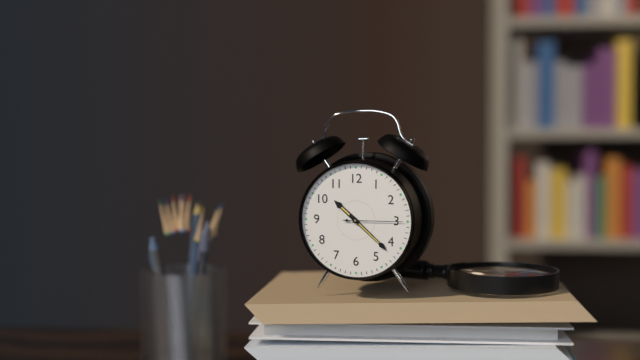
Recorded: {"hour": 10, "minute": 22, "second": 15}
